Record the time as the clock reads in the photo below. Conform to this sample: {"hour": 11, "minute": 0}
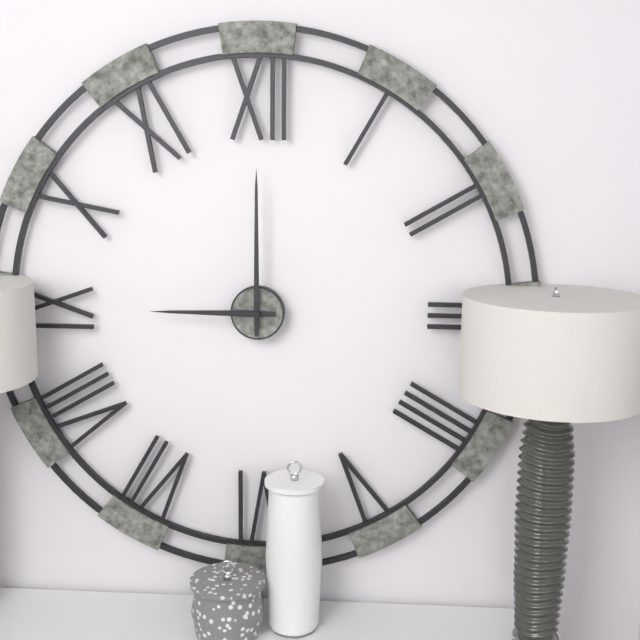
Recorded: {"hour": 9, "minute": 0}
